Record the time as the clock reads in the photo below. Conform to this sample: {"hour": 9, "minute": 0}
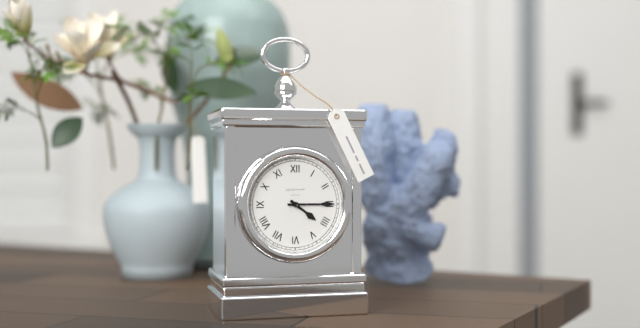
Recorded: {"hour": 4, "minute": 15}
